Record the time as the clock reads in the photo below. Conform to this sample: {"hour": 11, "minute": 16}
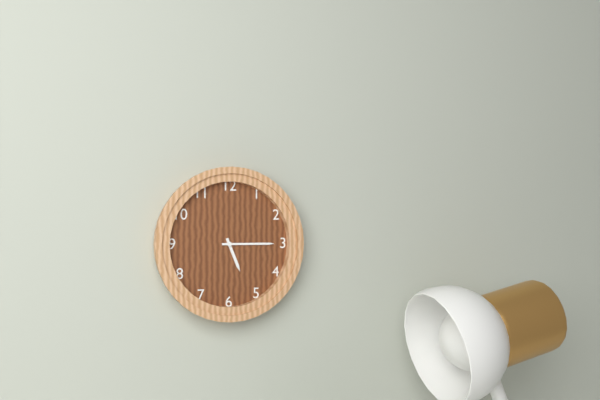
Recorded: {"hour": 5, "minute": 15}
